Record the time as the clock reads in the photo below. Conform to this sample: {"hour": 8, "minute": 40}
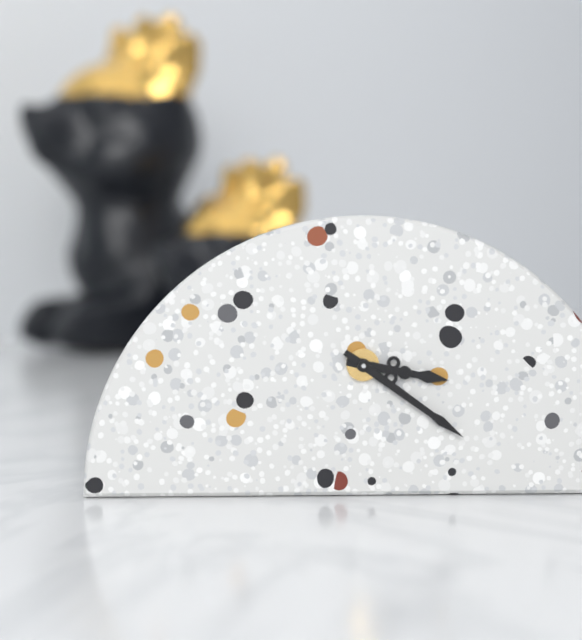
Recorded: {"hour": 3, "minute": 21}
